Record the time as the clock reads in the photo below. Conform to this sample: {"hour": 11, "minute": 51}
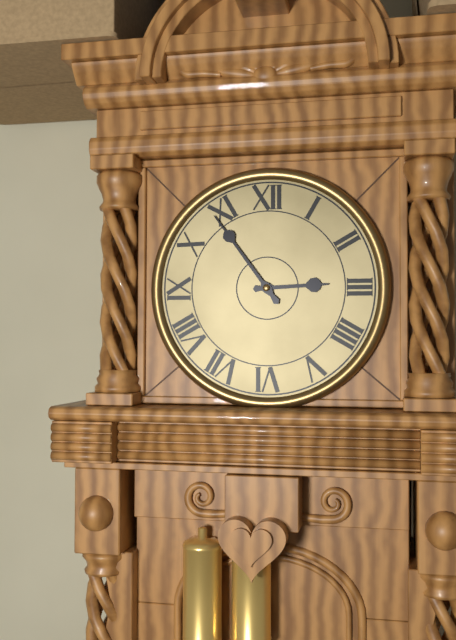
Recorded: {"hour": 2, "minute": 54}
